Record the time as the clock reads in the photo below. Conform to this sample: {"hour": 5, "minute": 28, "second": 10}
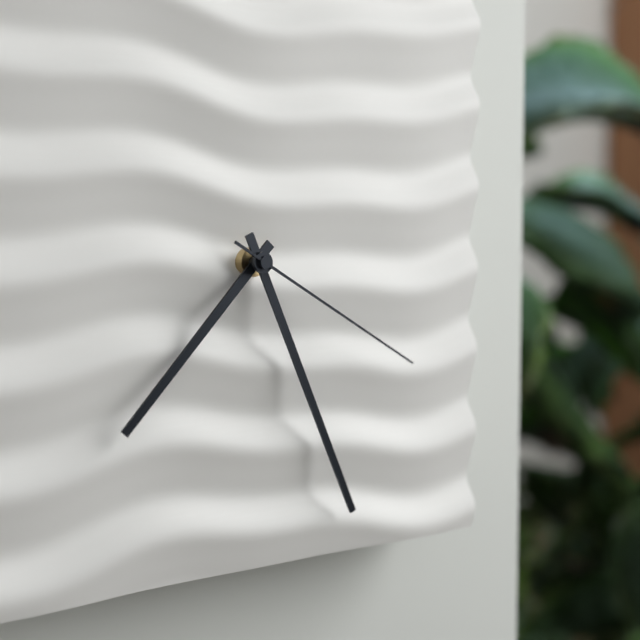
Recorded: {"hour": 7, "minute": 26, "second": 20}
